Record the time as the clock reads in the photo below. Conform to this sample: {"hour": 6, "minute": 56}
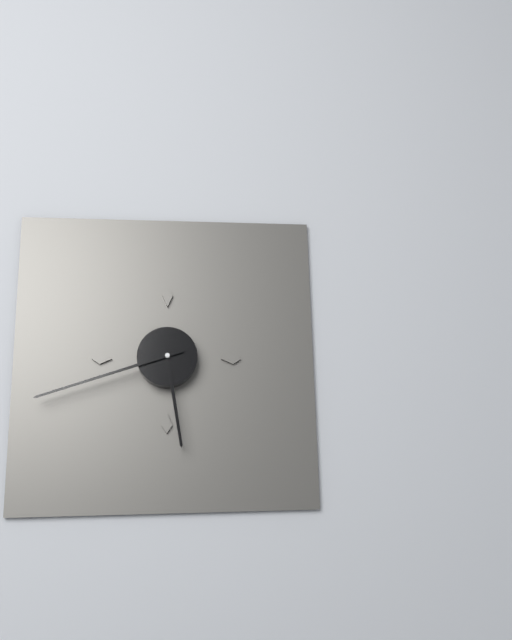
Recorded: {"hour": 5, "minute": 42}
